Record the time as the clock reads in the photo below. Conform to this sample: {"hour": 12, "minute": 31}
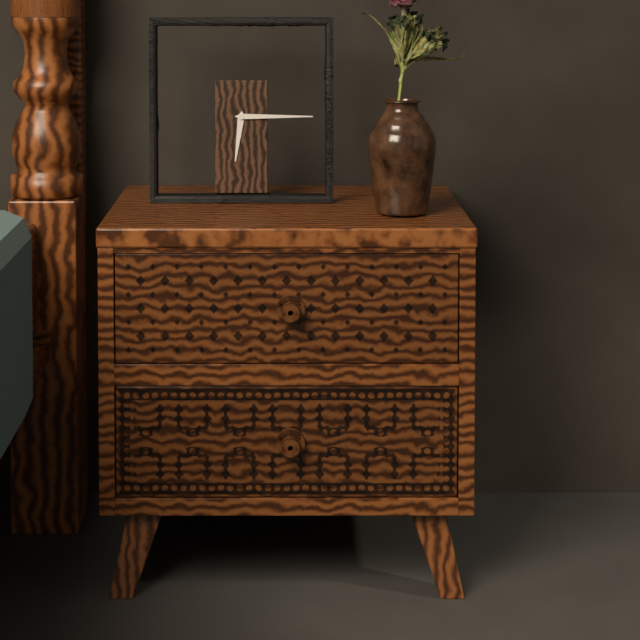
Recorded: {"hour": 6, "minute": 15}
